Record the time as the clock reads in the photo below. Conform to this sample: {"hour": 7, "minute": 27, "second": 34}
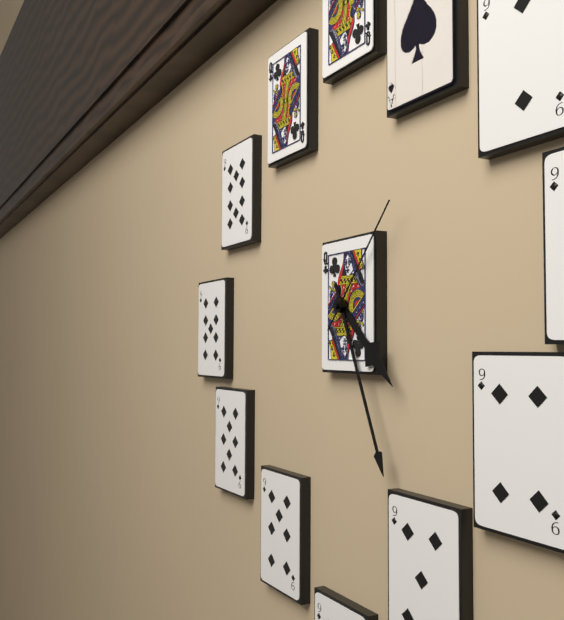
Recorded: {"hour": 4, "minute": 26, "second": 7}
